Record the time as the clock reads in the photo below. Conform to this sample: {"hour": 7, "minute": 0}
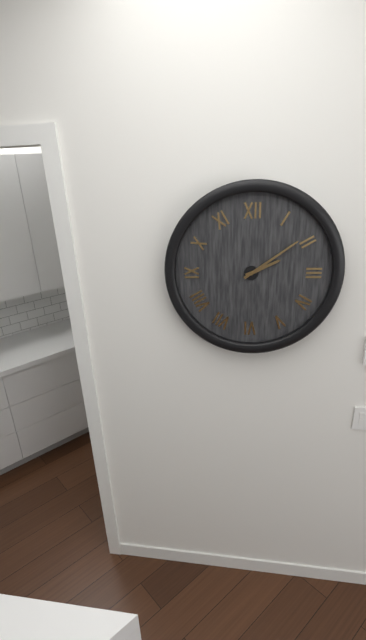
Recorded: {"hour": 2, "minute": 9}
